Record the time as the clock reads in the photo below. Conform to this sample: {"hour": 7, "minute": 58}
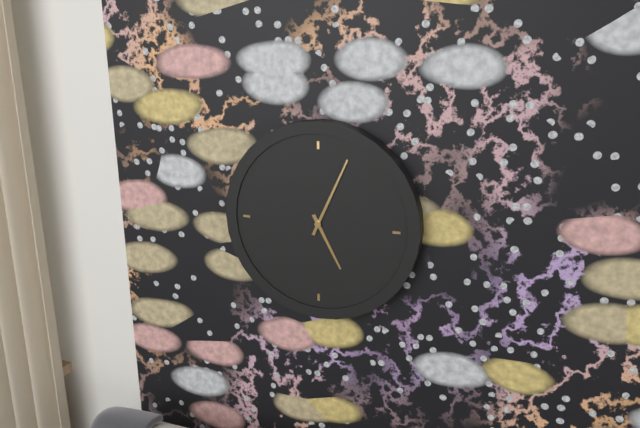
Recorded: {"hour": 5, "minute": 4}
